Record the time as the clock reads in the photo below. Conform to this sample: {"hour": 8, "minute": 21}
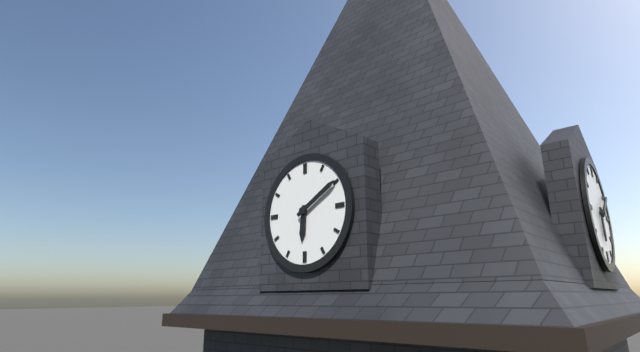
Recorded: {"hour": 6, "minute": 10}
